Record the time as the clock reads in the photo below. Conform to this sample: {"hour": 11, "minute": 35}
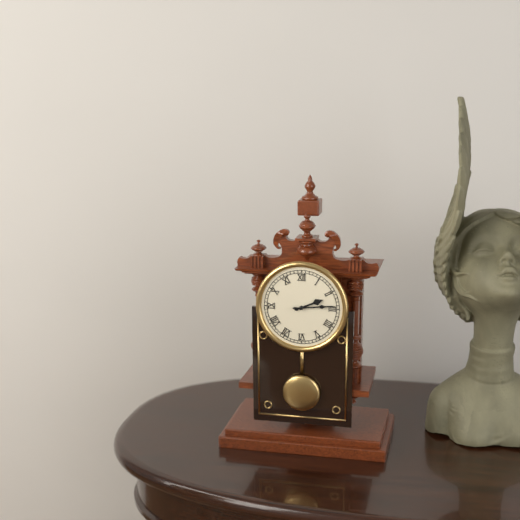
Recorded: {"hour": 2, "minute": 14}
